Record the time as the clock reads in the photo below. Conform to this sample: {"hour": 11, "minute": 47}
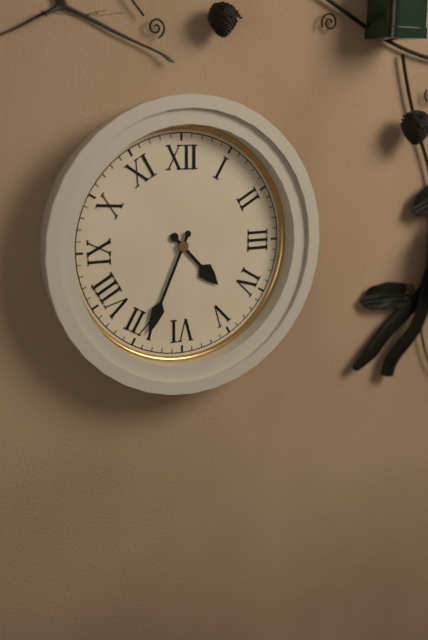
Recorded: {"hour": 4, "minute": 34}
